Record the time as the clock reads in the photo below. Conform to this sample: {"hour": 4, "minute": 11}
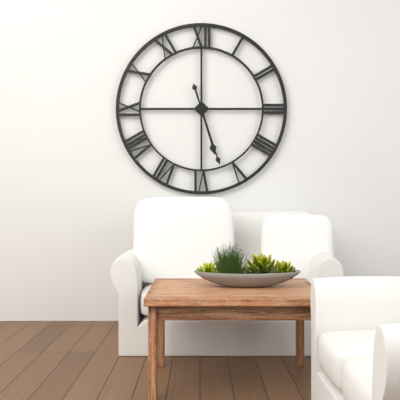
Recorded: {"hour": 5, "minute": 27}
